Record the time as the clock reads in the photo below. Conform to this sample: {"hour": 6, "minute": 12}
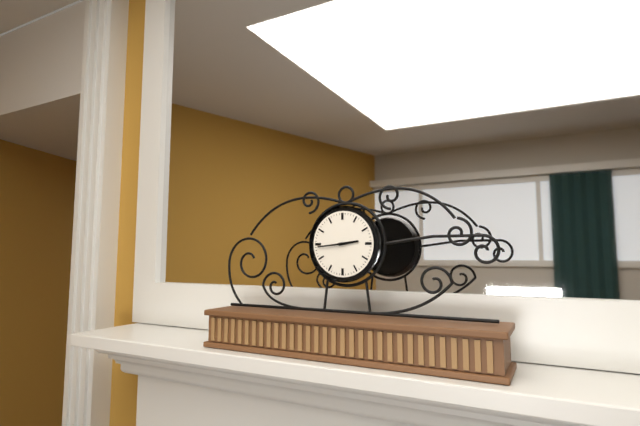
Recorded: {"hour": 2, "minute": 44}
